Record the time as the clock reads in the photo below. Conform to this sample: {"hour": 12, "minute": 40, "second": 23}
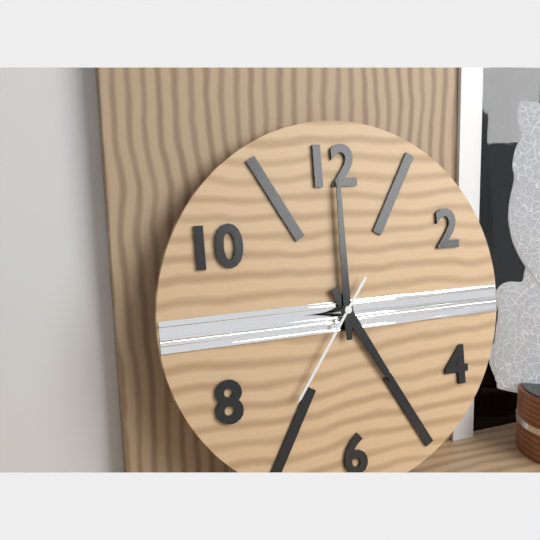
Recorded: {"hour": 5, "minute": 0, "second": 36}
